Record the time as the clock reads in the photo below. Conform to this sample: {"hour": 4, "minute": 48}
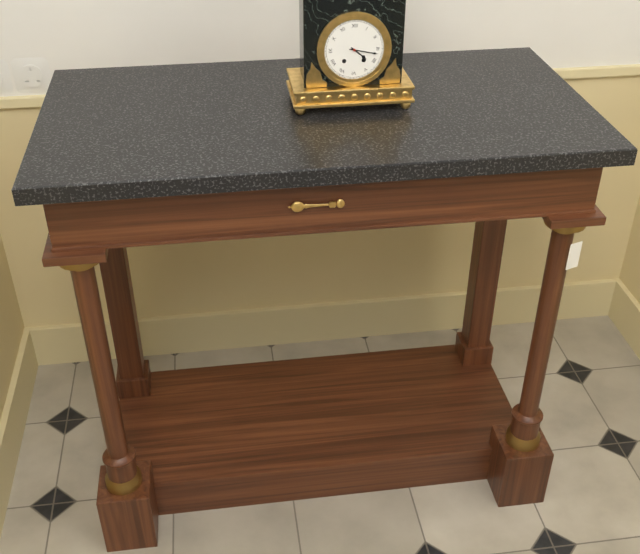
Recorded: {"hour": 4, "minute": 17}
